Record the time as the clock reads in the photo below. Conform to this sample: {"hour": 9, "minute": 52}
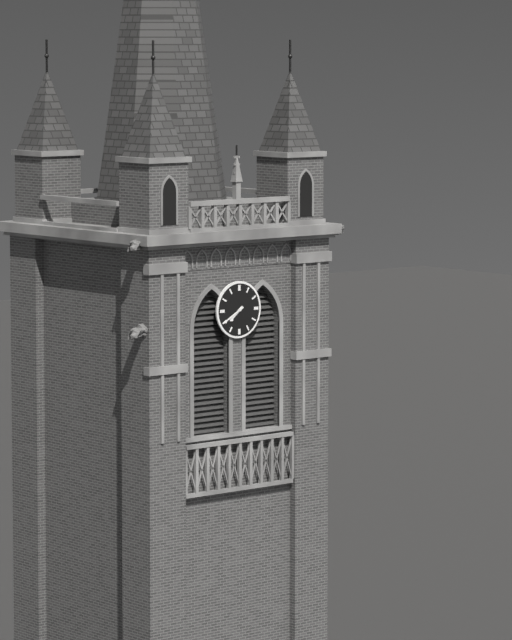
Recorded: {"hour": 7, "minute": 40}
